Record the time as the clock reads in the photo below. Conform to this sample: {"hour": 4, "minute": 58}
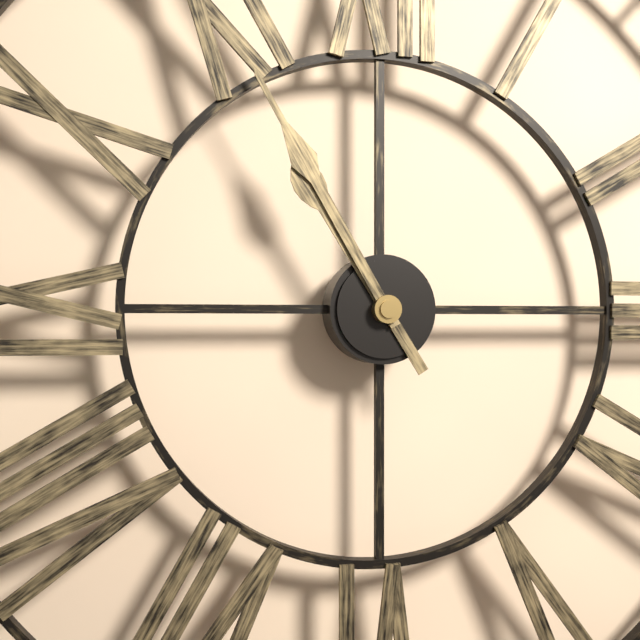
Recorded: {"hour": 10, "minute": 55}
